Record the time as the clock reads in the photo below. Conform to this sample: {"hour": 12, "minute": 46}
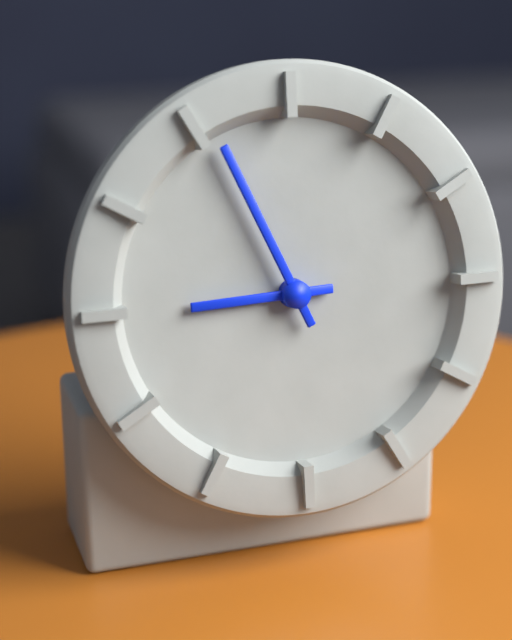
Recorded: {"hour": 8, "minute": 56}
